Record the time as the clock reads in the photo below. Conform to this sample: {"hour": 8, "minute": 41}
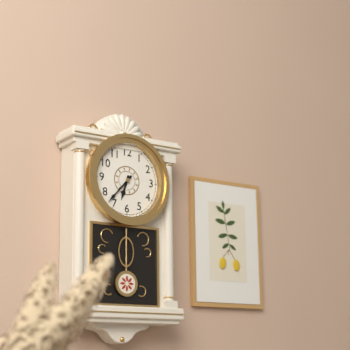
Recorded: {"hour": 6, "minute": 37}
